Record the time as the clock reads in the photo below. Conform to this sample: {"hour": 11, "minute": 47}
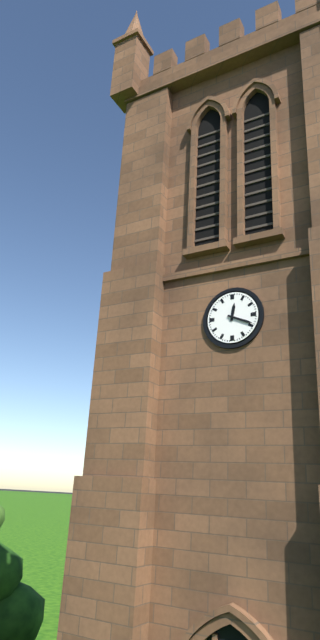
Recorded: {"hour": 12, "minute": 19}
